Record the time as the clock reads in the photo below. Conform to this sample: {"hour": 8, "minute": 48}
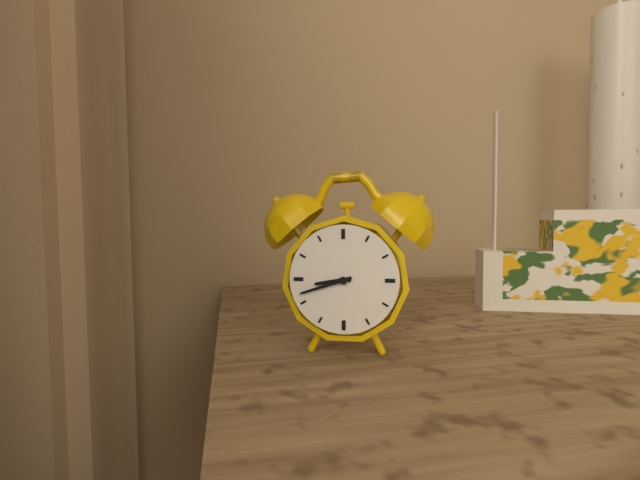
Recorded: {"hour": 8, "minute": 42}
